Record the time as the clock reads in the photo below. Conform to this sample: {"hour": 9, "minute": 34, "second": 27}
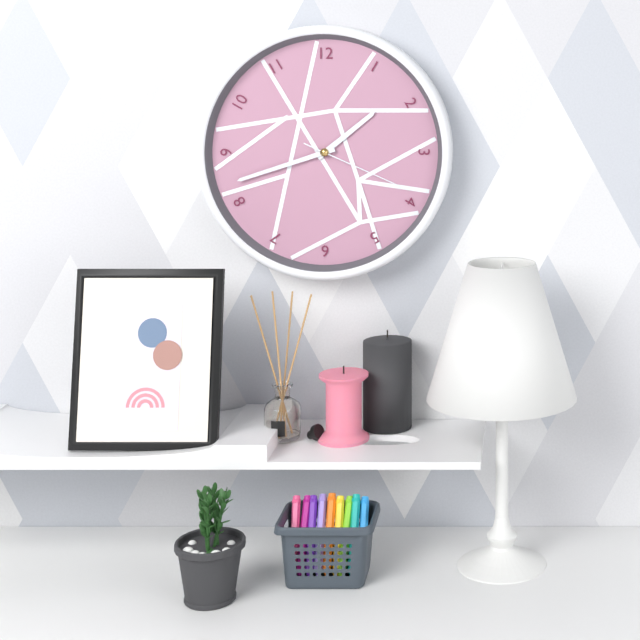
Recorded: {"hour": 1, "minute": 42, "second": 19}
